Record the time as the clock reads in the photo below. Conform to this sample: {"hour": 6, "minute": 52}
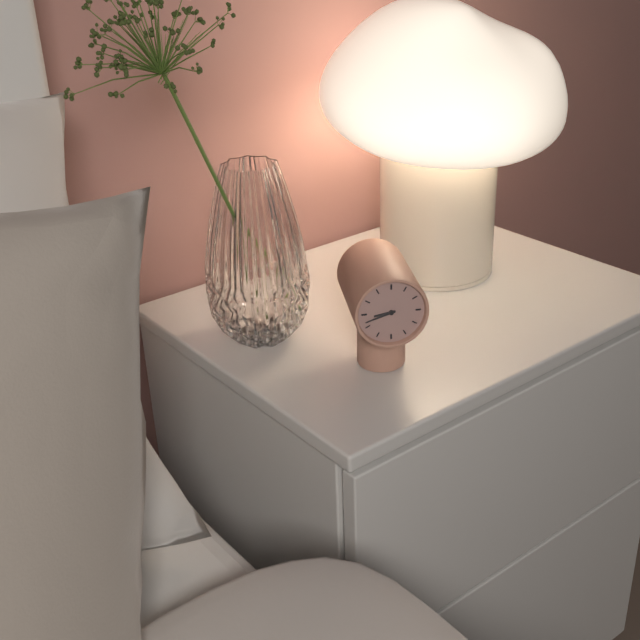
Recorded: {"hour": 8, "minute": 42}
